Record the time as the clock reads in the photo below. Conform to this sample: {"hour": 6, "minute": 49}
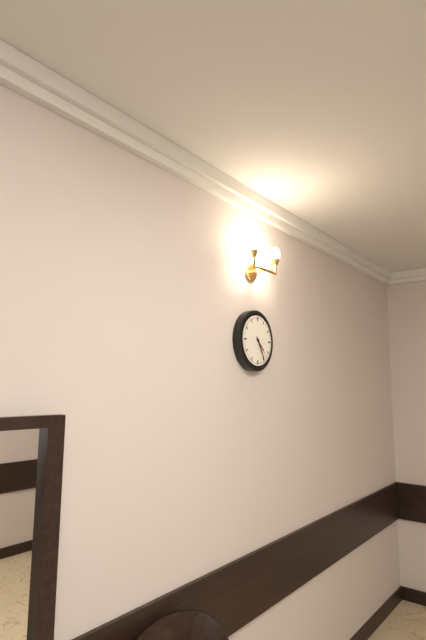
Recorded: {"hour": 4, "minute": 25}
